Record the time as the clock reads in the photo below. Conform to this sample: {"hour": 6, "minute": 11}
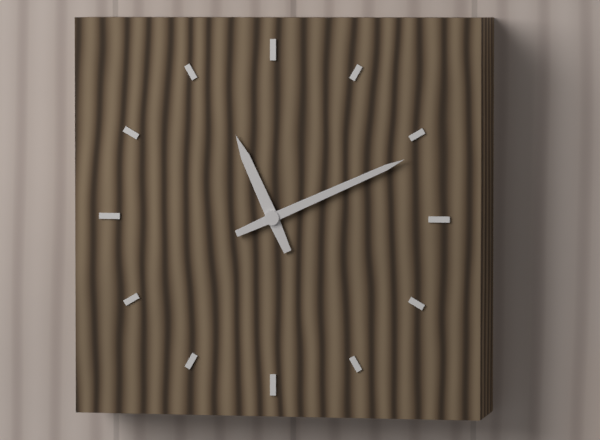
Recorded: {"hour": 11, "minute": 11}
